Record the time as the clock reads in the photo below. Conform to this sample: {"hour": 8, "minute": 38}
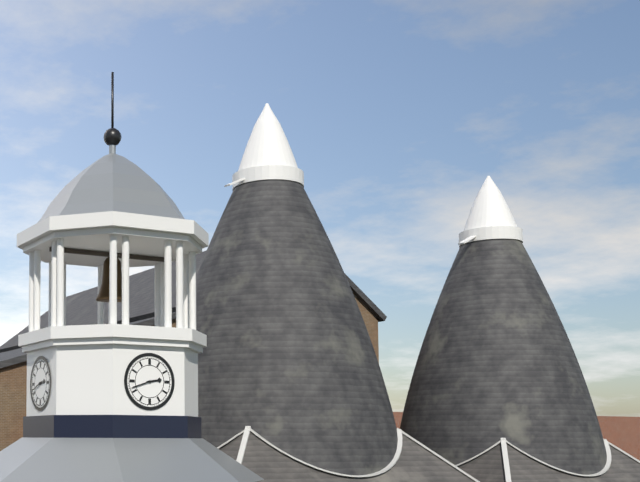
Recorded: {"hour": 2, "minute": 42}
